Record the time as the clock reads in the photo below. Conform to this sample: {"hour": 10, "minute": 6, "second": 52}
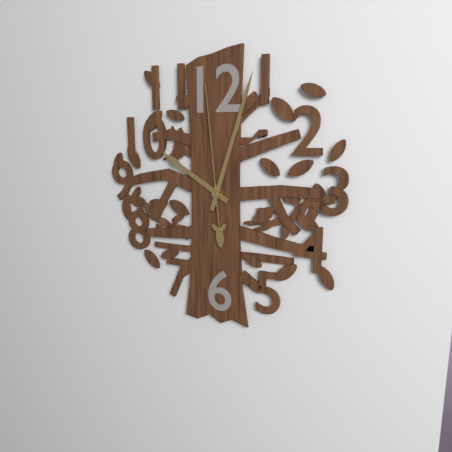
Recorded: {"hour": 10, "minute": 3, "second": 59}
